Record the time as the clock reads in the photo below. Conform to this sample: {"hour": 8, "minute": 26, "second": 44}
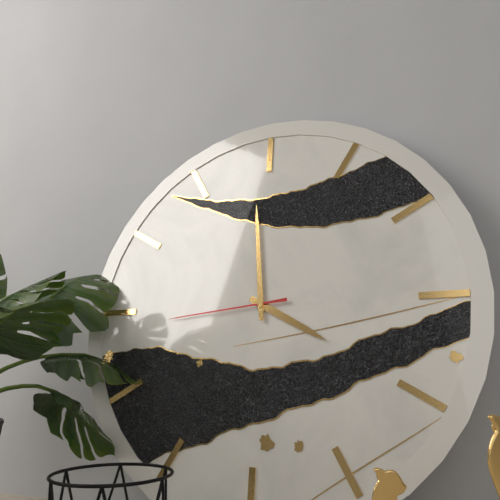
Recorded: {"hour": 3, "minute": 59, "second": 44}
